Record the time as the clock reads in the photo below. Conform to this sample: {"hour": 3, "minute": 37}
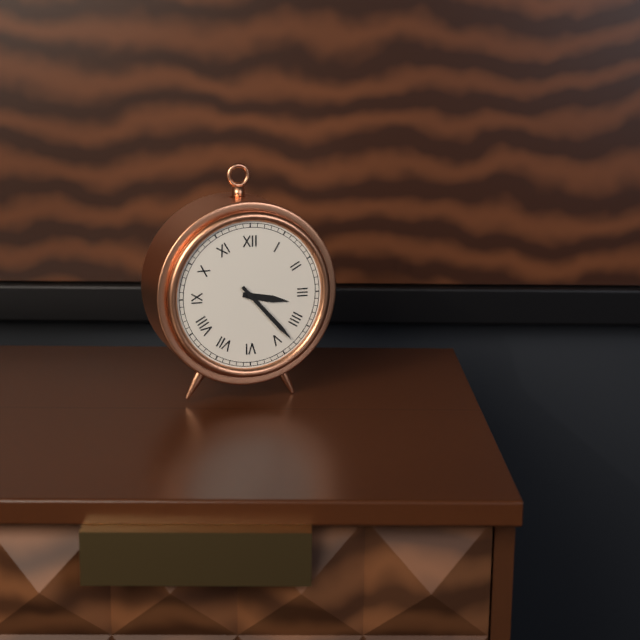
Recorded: {"hour": 3, "minute": 23}
